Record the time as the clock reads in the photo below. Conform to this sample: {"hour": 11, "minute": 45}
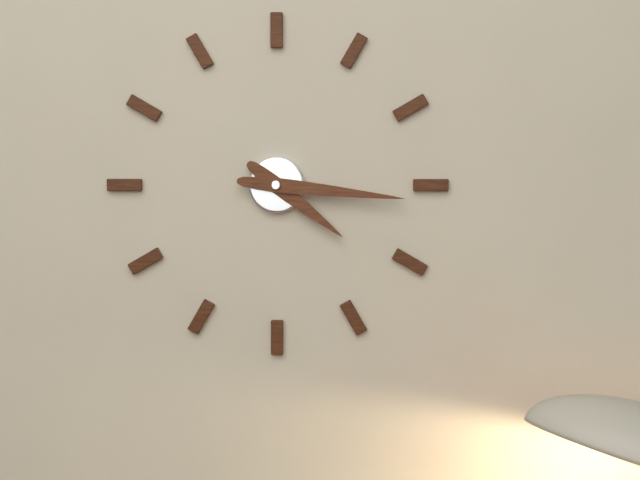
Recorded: {"hour": 4, "minute": 16}
